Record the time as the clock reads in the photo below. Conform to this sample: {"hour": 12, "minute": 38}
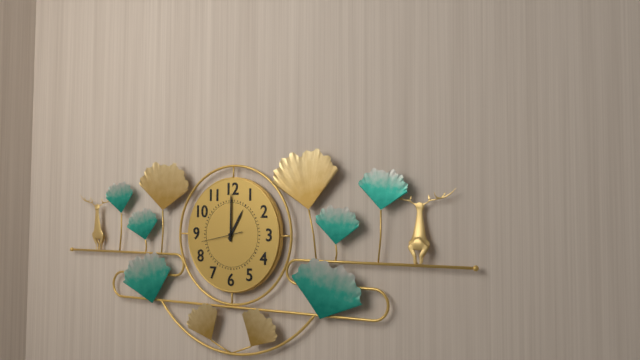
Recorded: {"hour": 1, "minute": 0}
